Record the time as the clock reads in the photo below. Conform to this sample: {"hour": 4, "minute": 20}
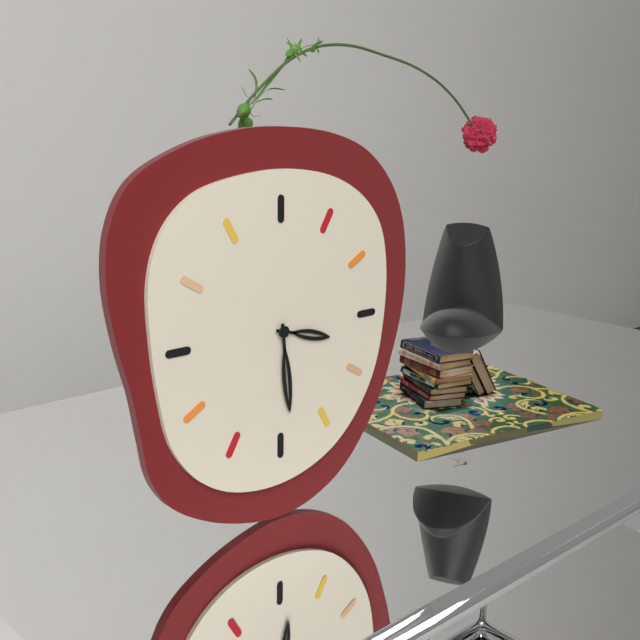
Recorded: {"hour": 3, "minute": 29}
